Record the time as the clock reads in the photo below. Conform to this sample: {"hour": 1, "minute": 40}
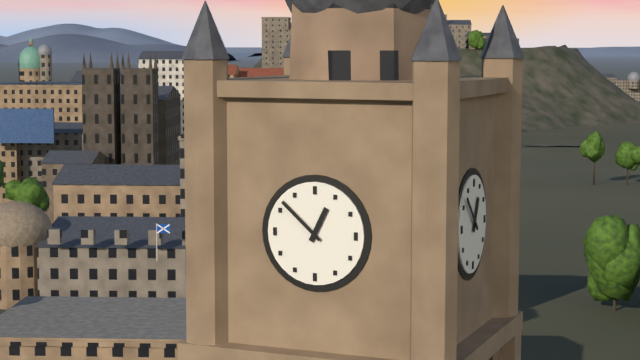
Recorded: {"hour": 12, "minute": 52}
